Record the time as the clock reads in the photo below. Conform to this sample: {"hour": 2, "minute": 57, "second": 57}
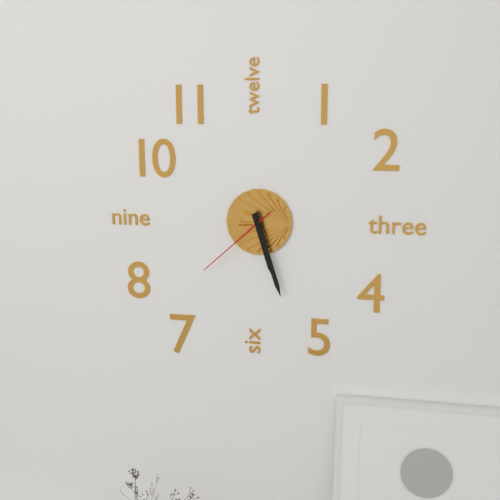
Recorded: {"hour": 5, "minute": 27, "second": 38}
